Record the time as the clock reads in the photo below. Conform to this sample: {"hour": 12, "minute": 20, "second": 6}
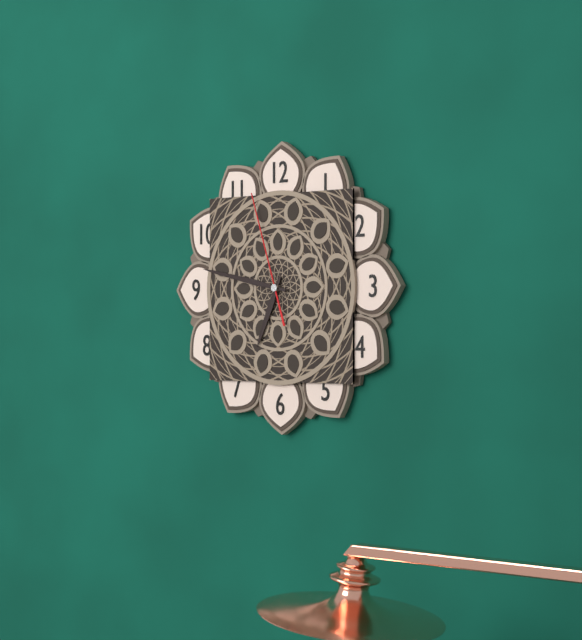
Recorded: {"hour": 6, "minute": 47, "second": 57}
